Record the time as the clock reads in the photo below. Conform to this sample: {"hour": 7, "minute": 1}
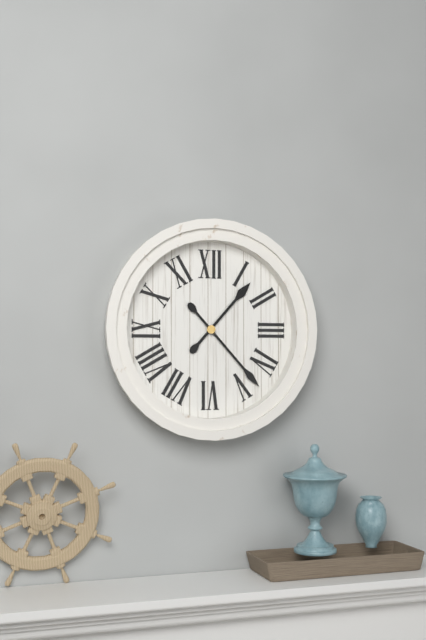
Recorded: {"hour": 1, "minute": 23}
